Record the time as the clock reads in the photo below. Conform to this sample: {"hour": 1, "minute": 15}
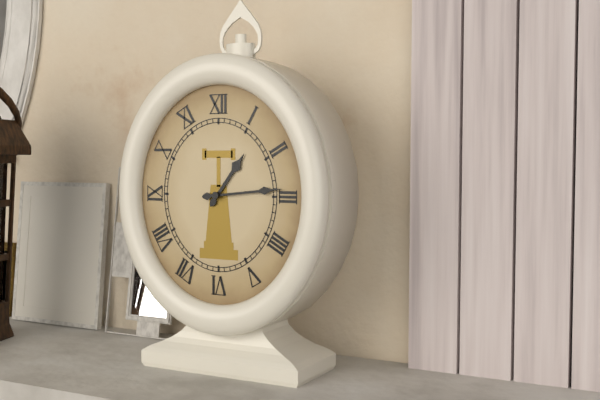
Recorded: {"hour": 1, "minute": 14}
